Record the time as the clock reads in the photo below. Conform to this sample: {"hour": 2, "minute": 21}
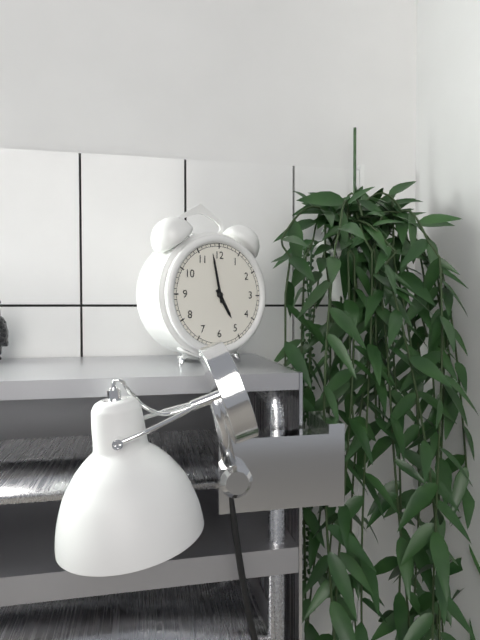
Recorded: {"hour": 4, "minute": 58}
